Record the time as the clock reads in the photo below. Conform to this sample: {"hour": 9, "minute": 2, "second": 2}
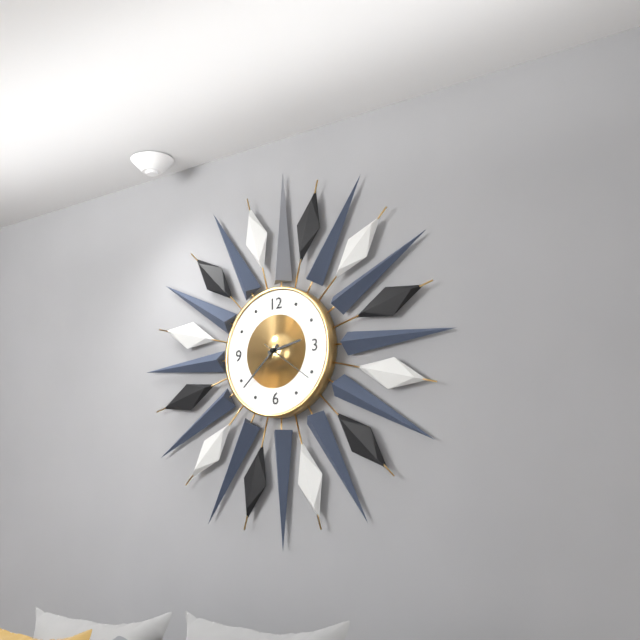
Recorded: {"hour": 2, "minute": 38, "second": 21}
